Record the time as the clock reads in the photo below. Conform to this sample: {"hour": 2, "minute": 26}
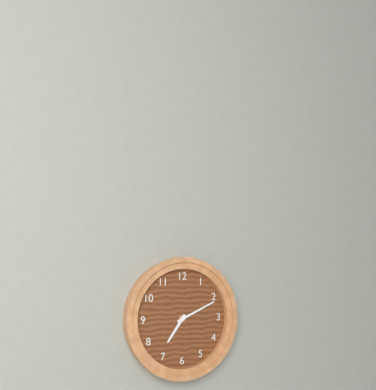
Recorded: {"hour": 7, "minute": 11}
